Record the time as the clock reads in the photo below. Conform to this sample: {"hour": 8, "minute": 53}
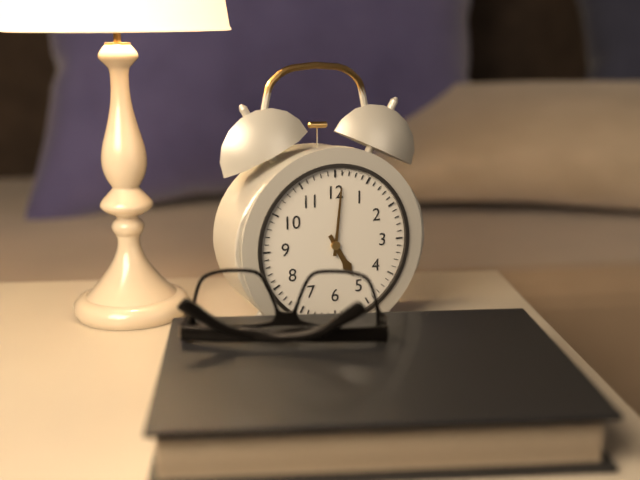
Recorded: {"hour": 5, "minute": 1}
